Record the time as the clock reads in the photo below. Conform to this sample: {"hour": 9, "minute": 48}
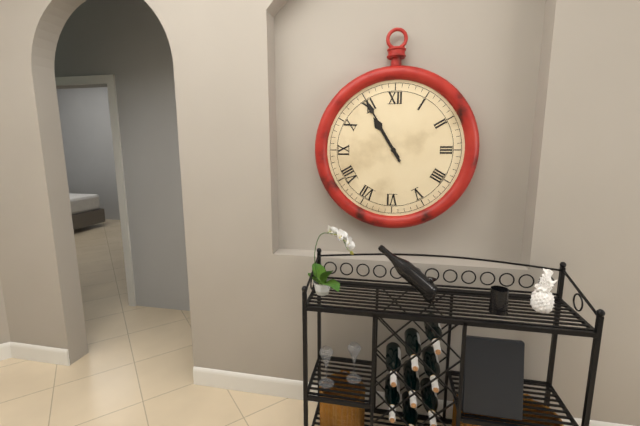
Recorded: {"hour": 10, "minute": 55}
